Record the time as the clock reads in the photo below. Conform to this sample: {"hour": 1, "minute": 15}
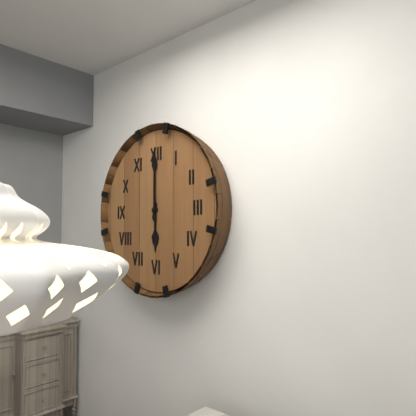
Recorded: {"hour": 6, "minute": 0}
